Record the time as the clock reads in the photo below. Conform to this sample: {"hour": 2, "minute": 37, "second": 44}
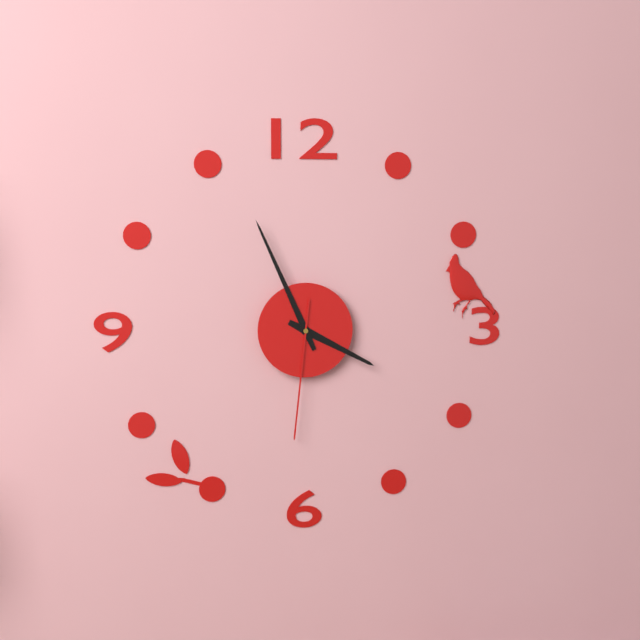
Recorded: {"hour": 3, "minute": 56, "second": 31}
